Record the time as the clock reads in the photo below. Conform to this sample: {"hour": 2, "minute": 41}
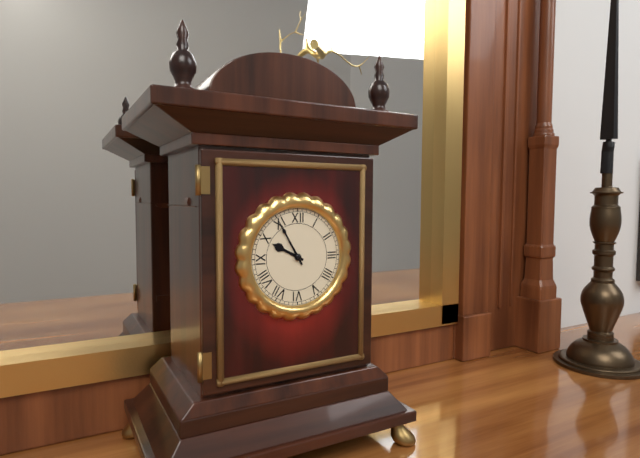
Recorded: {"hour": 9, "minute": 55}
